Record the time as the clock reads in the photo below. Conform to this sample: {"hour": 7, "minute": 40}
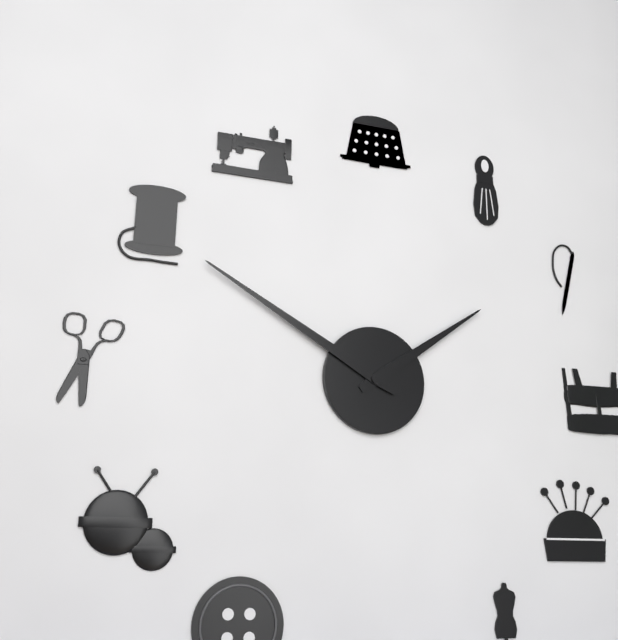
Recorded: {"hour": 1, "minute": 50}
